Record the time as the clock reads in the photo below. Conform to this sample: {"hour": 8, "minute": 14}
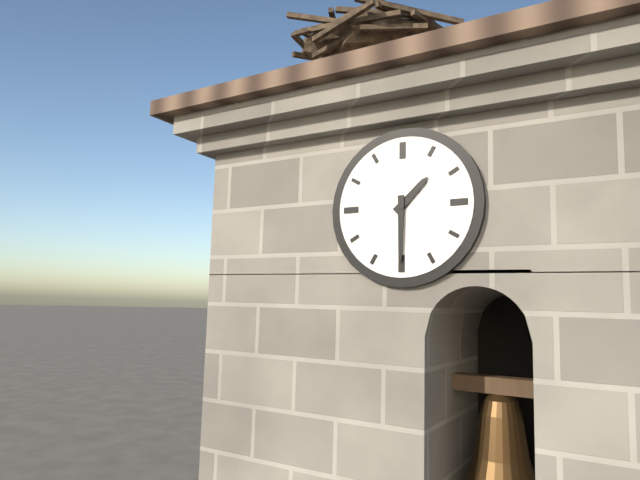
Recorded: {"hour": 1, "minute": 30}
